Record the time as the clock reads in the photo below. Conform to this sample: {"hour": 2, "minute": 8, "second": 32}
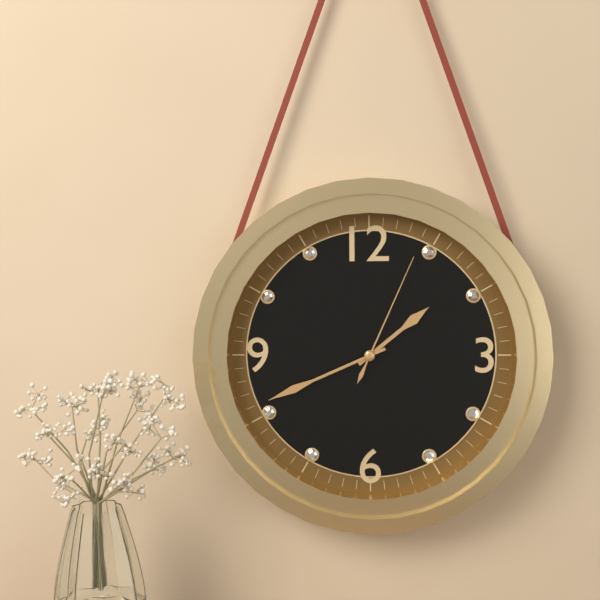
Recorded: {"hour": 1, "minute": 41, "second": 4}
